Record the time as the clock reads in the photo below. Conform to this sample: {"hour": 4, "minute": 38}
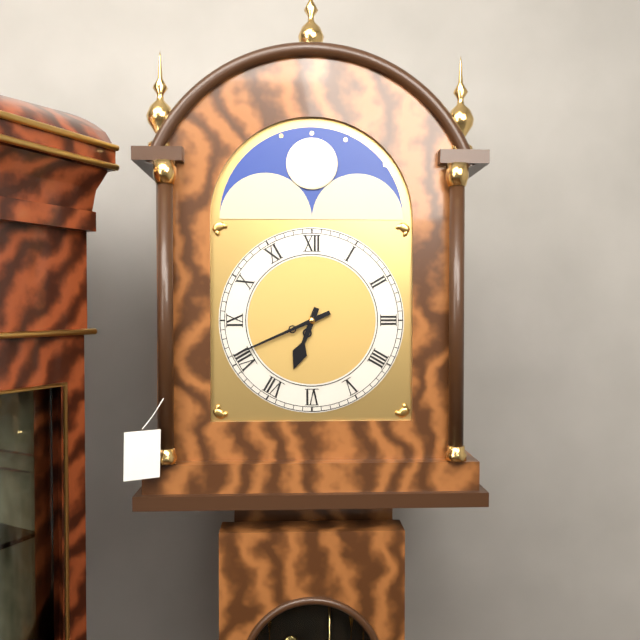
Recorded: {"hour": 6, "minute": 41}
